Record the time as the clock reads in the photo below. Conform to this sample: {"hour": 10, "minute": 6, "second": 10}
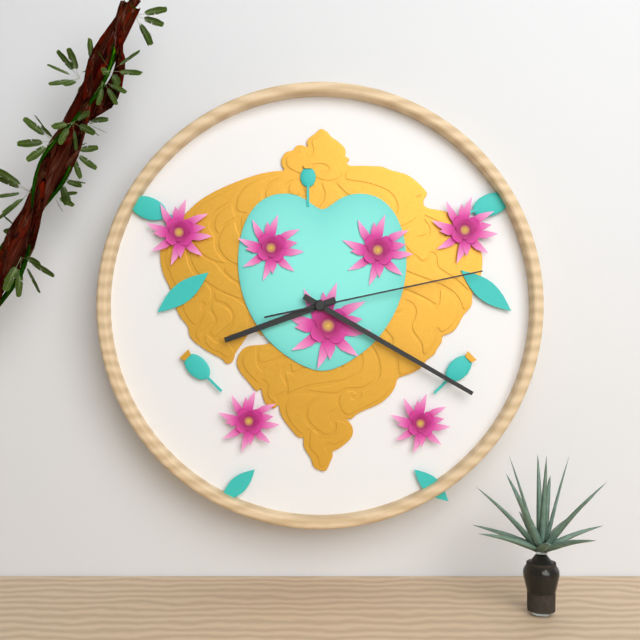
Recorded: {"hour": 8, "minute": 20, "second": 13}
